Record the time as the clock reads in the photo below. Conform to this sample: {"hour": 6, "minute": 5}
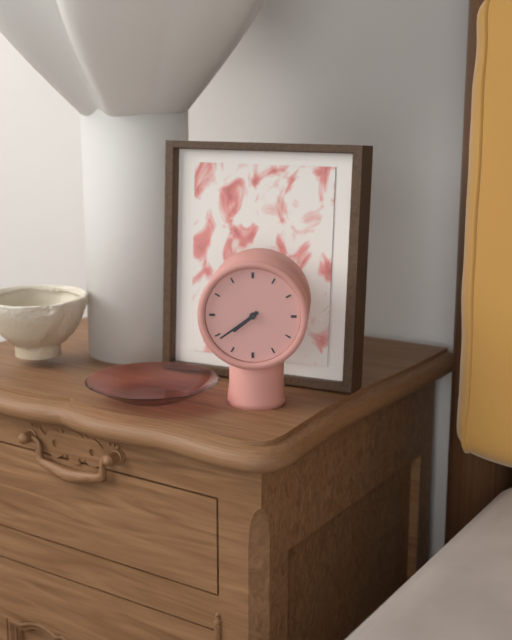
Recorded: {"hour": 7, "minute": 39}
